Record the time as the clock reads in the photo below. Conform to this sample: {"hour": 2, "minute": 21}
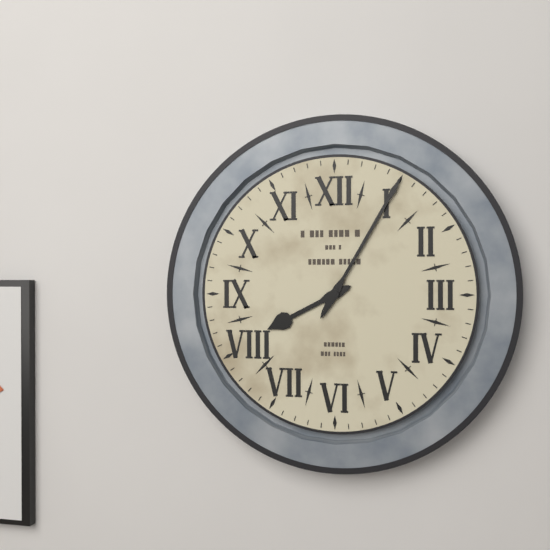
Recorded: {"hour": 8, "minute": 5}
